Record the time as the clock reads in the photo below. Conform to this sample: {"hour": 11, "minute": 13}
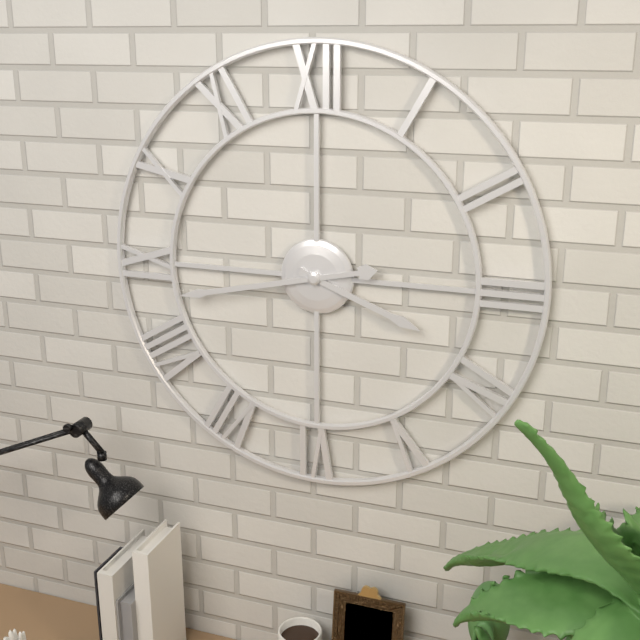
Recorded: {"hour": 3, "minute": 43}
